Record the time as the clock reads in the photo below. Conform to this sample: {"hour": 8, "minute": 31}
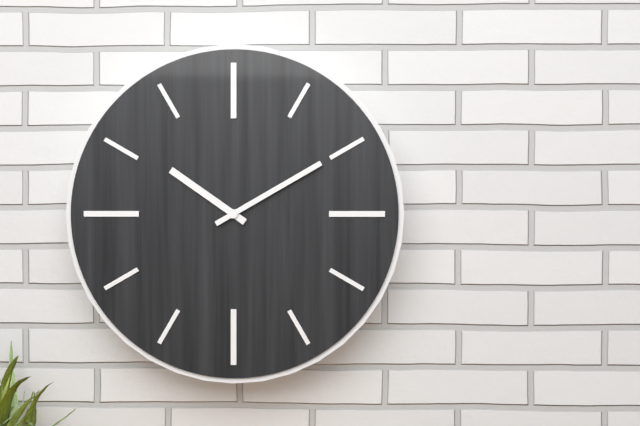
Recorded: {"hour": 10, "minute": 10}
